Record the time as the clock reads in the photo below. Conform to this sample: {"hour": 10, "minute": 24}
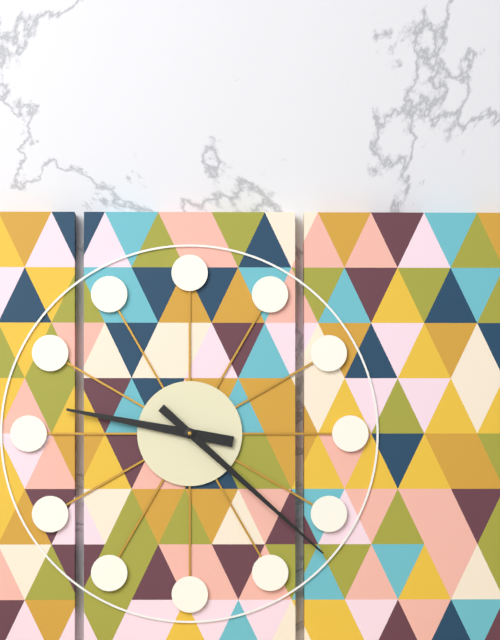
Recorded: {"hour": 9, "minute": 22}
